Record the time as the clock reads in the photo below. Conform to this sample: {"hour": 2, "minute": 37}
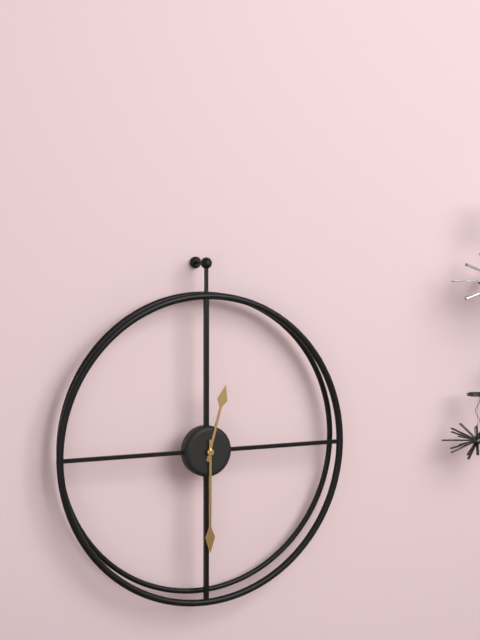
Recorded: {"hour": 12, "minute": 30}
